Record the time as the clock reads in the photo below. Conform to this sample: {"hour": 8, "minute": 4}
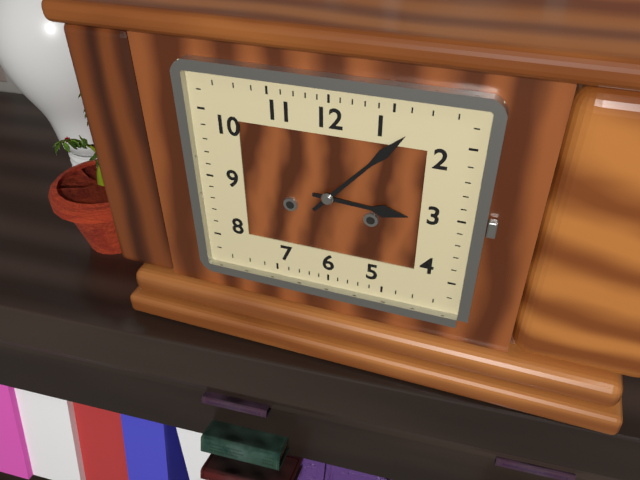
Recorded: {"hour": 3, "minute": 7}
